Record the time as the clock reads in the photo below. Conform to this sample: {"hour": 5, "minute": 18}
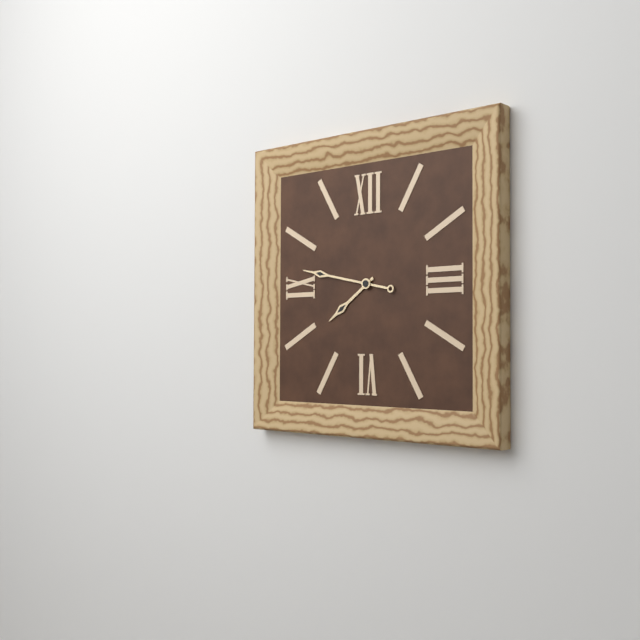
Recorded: {"hour": 7, "minute": 47}
